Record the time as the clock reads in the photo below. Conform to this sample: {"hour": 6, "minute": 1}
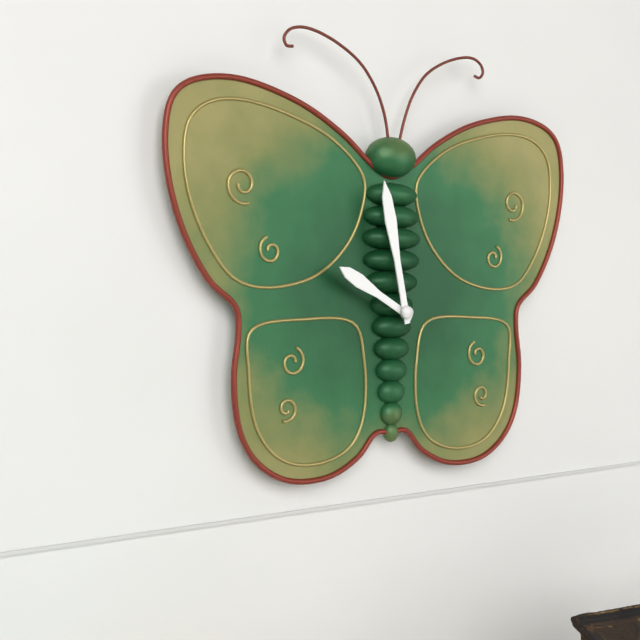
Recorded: {"hour": 9, "minute": 58}
